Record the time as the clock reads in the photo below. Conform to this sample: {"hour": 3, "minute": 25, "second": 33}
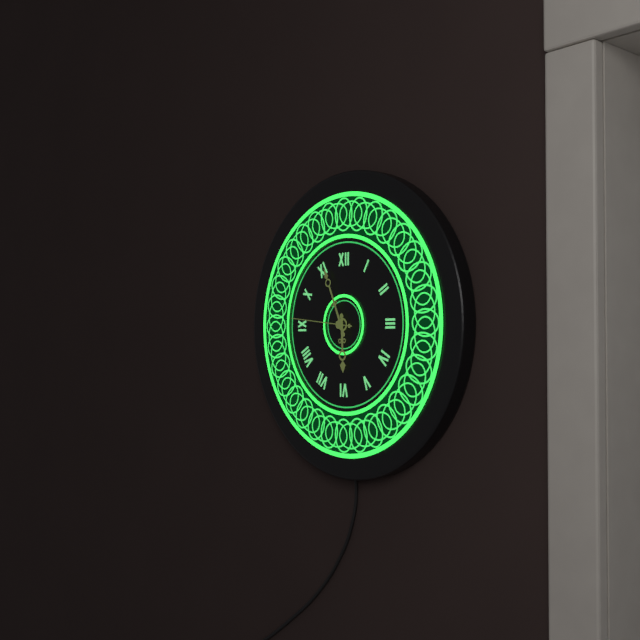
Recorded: {"hour": 5, "minute": 56, "second": 46}
